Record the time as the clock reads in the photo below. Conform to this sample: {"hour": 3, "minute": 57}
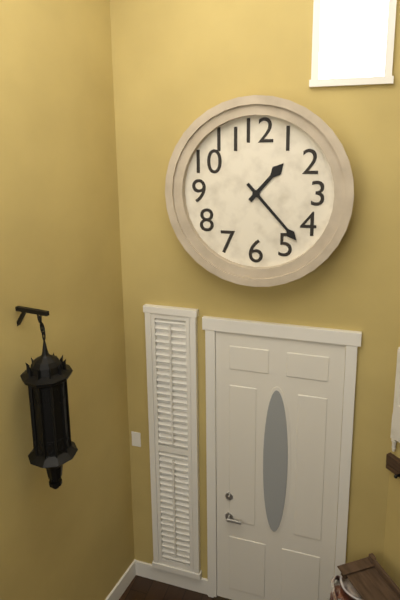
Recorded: {"hour": 1, "minute": 23}
